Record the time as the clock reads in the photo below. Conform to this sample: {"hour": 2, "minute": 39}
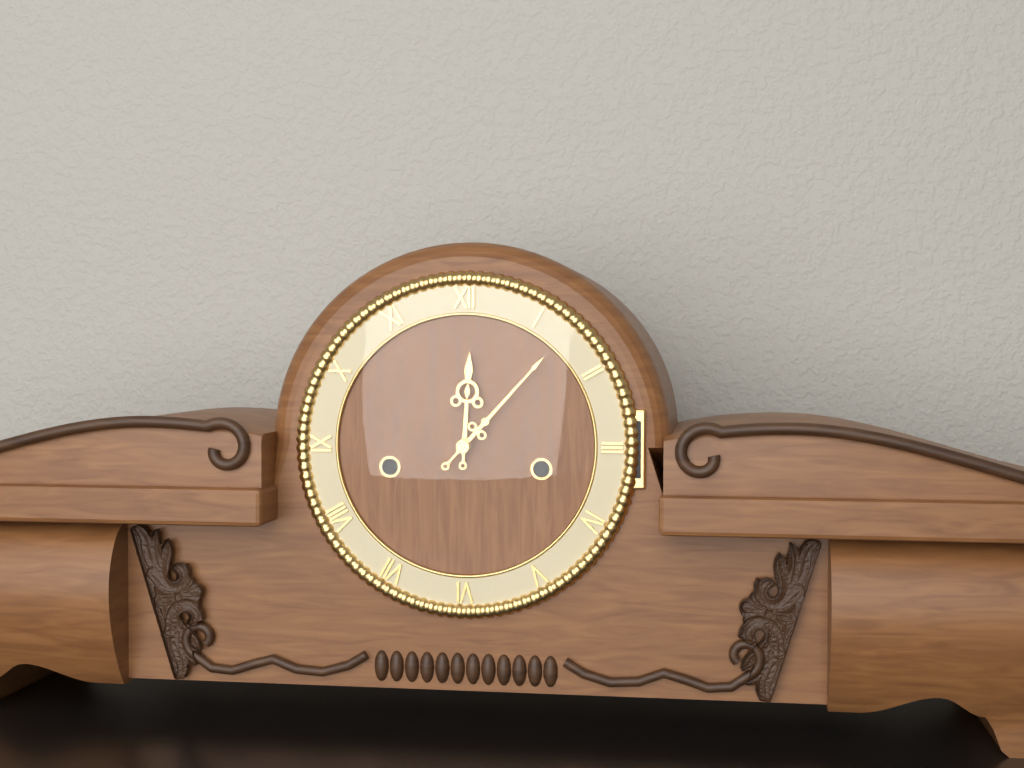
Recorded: {"hour": 12, "minute": 7}
